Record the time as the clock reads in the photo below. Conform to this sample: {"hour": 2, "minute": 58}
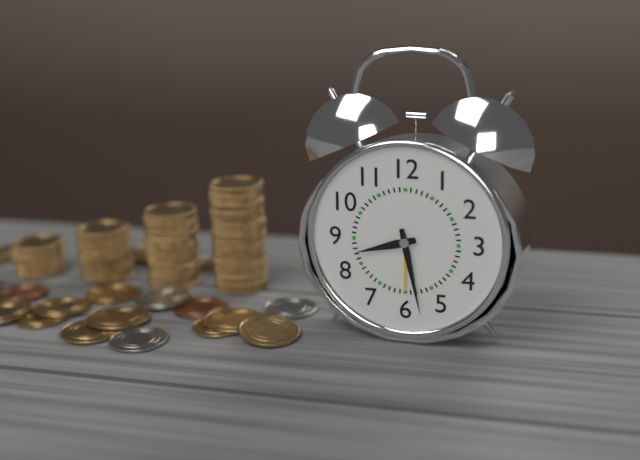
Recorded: {"hour": 8, "minute": 28}
